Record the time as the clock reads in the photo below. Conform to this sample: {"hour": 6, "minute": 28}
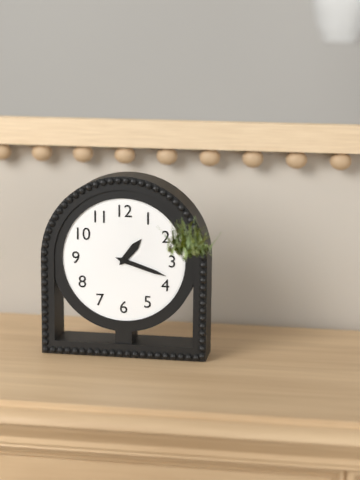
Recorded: {"hour": 1, "minute": 18}
